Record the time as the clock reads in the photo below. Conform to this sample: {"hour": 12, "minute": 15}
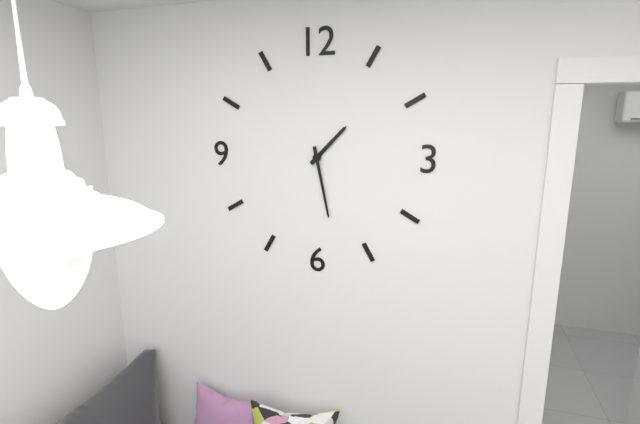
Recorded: {"hour": 1, "minute": 28}
